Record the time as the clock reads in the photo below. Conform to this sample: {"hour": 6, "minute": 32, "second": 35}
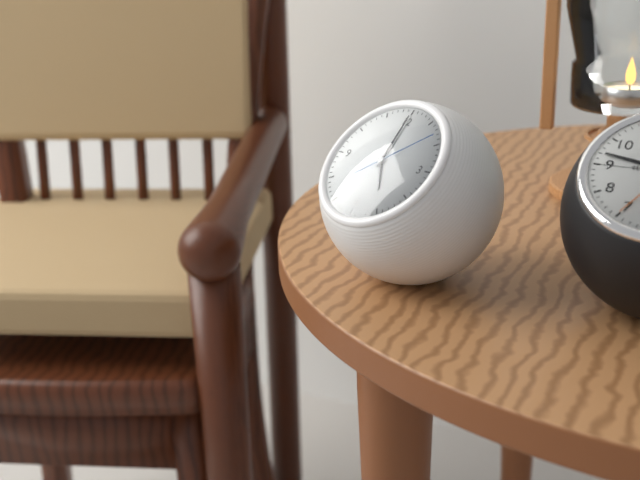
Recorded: {"hour": 5, "minute": 0, "second": 8}
